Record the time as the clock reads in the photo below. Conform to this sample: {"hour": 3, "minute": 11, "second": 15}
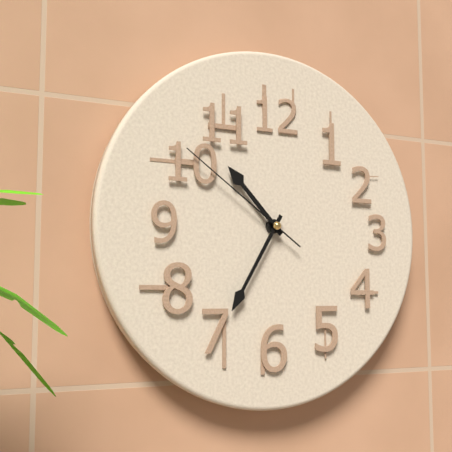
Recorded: {"hour": 10, "minute": 35, "second": 51}
